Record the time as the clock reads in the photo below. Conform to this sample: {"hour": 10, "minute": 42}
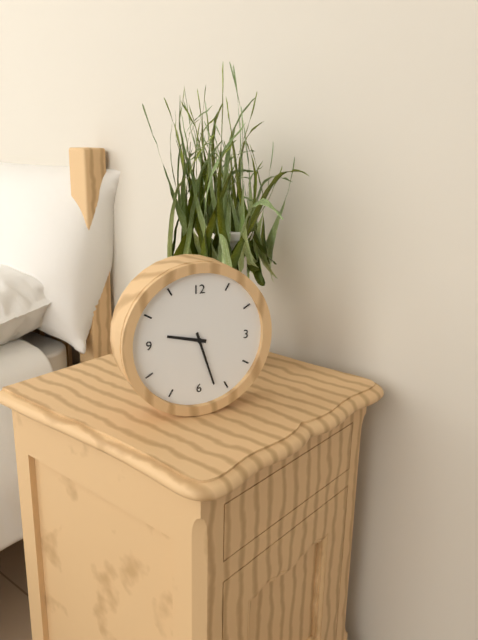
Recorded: {"hour": 9, "minute": 27}
